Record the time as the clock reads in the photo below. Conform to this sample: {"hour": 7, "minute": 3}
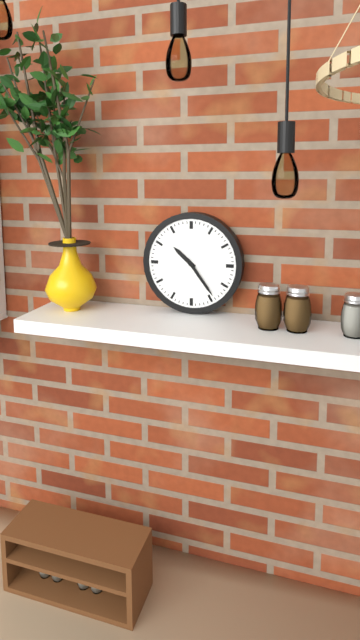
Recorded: {"hour": 10, "minute": 24}
